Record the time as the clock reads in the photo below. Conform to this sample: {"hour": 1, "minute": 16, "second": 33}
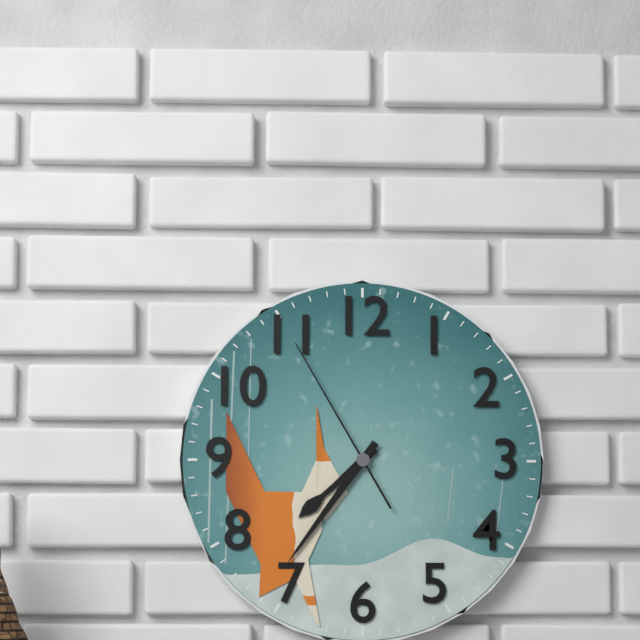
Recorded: {"hour": 7, "minute": 36, "second": 55}
